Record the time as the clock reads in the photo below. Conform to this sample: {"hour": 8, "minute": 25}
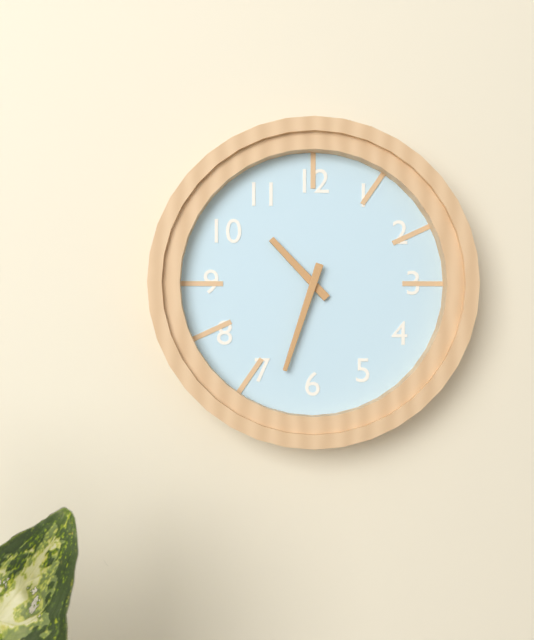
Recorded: {"hour": 10, "minute": 33}
